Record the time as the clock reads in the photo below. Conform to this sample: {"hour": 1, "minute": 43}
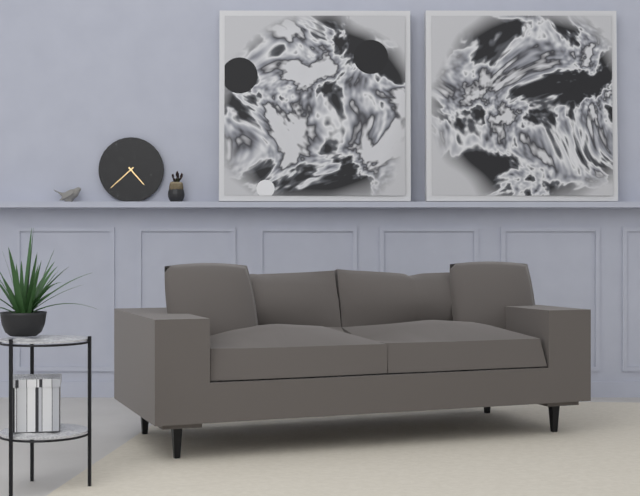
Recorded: {"hour": 4, "minute": 38}
